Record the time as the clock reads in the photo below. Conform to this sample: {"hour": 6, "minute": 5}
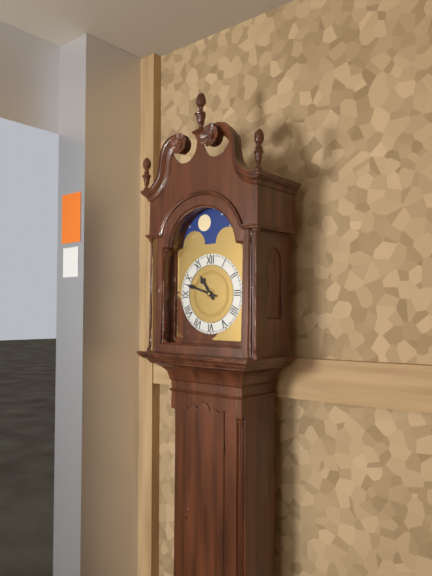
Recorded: {"hour": 10, "minute": 48}
